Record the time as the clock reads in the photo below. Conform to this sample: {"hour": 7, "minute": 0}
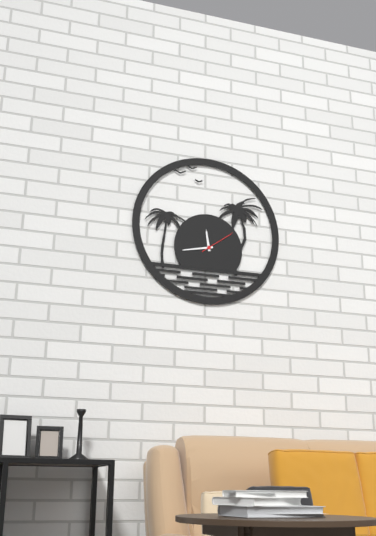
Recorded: {"hour": 11, "minute": 43}
